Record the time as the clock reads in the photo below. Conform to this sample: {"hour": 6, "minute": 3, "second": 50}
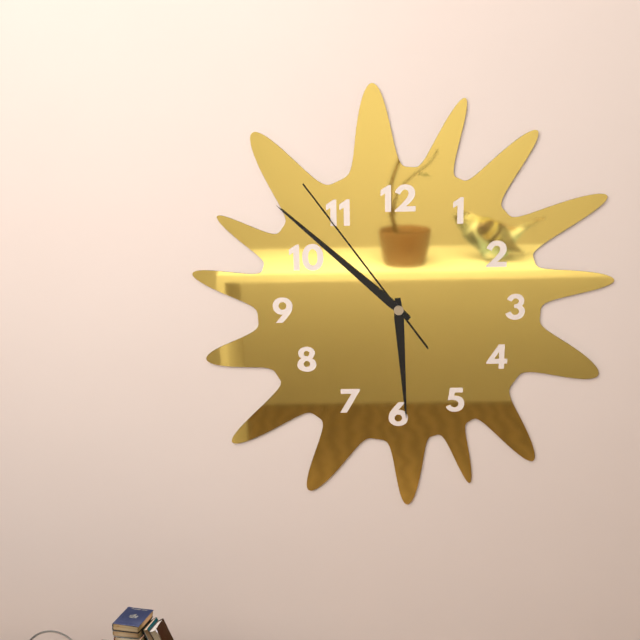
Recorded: {"hour": 5, "minute": 52, "second": 54}
